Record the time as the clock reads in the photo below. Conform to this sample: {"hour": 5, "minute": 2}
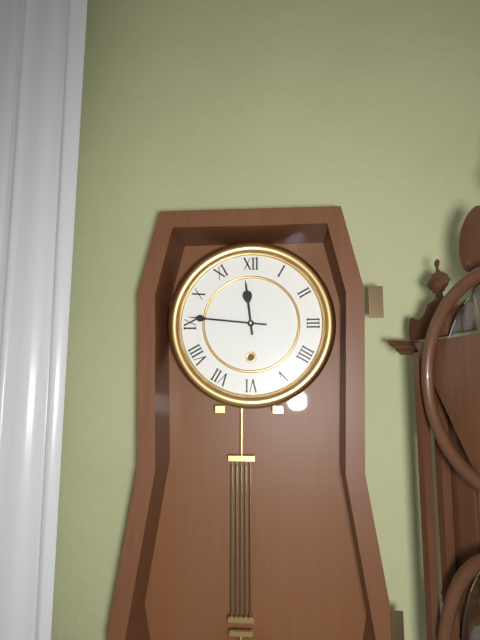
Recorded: {"hour": 11, "minute": 46}
